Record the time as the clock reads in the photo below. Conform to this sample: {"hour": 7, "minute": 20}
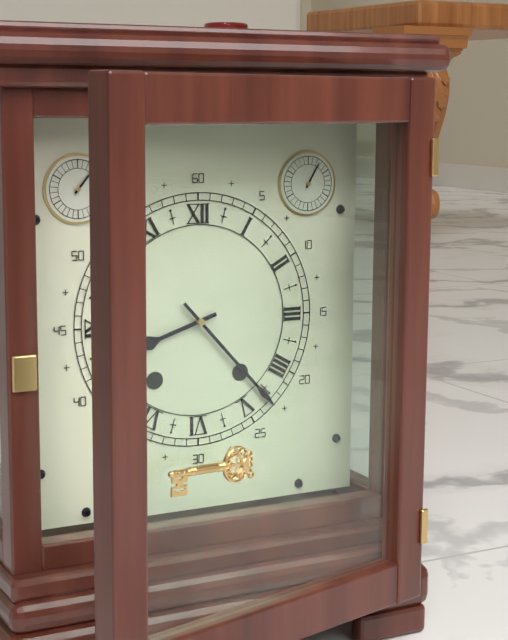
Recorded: {"hour": 8, "minute": 23}
